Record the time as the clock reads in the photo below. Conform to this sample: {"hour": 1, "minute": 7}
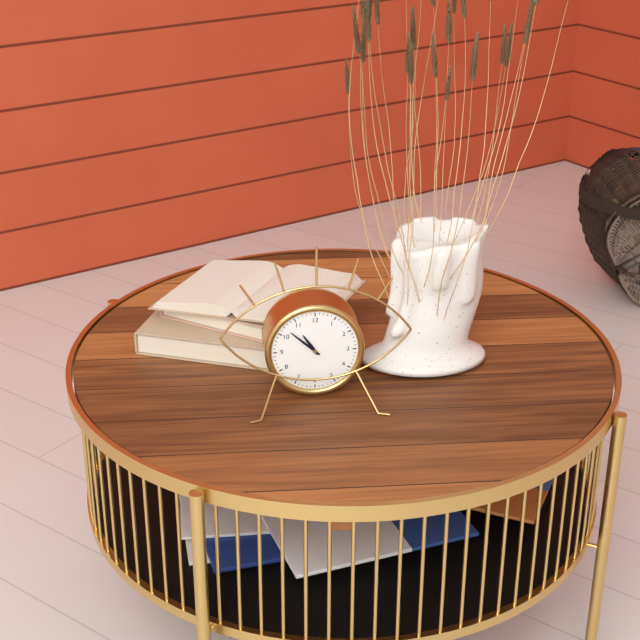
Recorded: {"hour": 10, "minute": 52}
